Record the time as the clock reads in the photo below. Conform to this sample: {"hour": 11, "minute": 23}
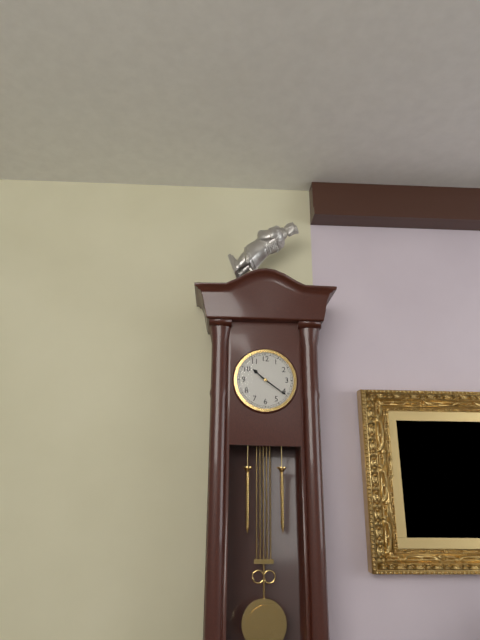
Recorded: {"hour": 10, "minute": 21}
